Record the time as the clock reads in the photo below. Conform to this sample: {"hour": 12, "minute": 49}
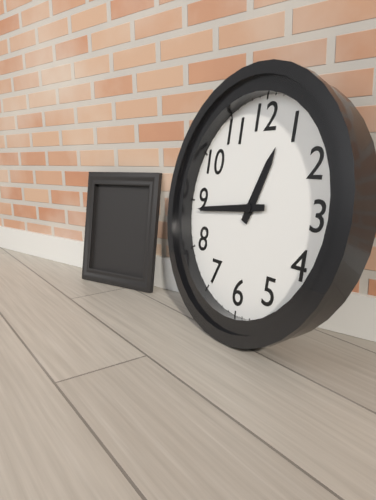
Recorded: {"hour": 12, "minute": 44}
